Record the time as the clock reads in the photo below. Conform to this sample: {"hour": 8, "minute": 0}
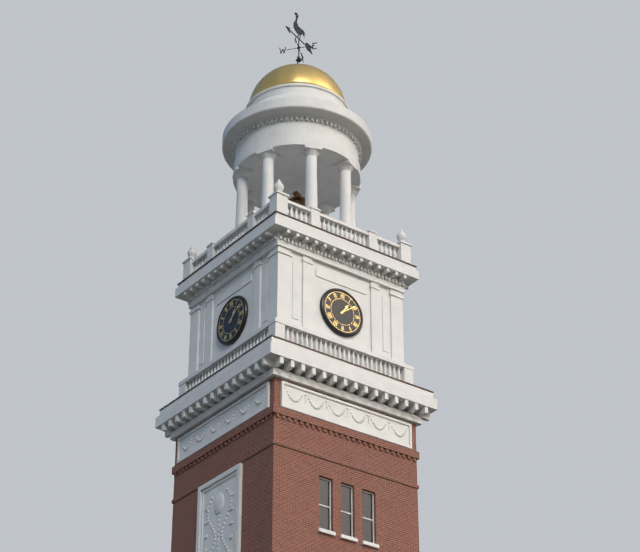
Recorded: {"hour": 1, "minute": 9}
